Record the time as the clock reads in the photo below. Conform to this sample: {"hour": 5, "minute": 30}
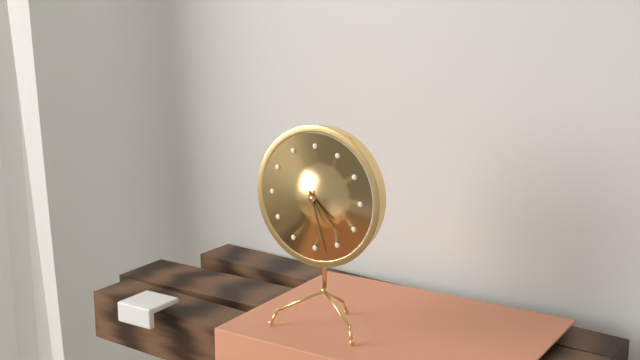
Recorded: {"hour": 4, "minute": 27}
